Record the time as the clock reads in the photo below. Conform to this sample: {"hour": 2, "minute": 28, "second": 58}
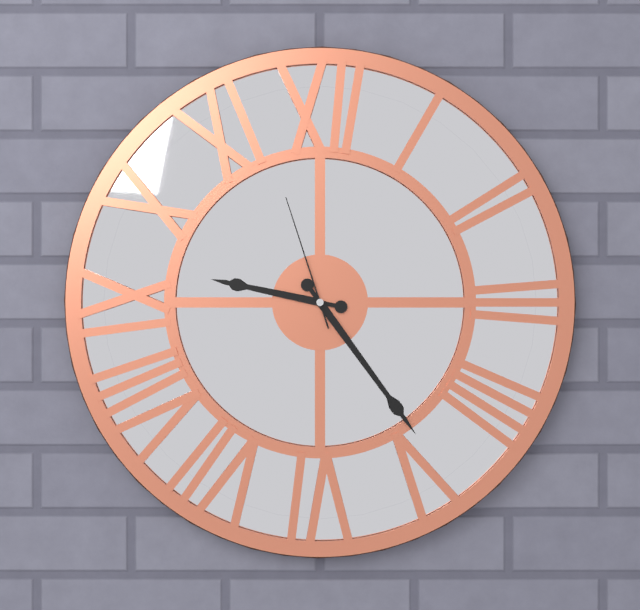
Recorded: {"hour": 9, "minute": 24, "second": 57}
